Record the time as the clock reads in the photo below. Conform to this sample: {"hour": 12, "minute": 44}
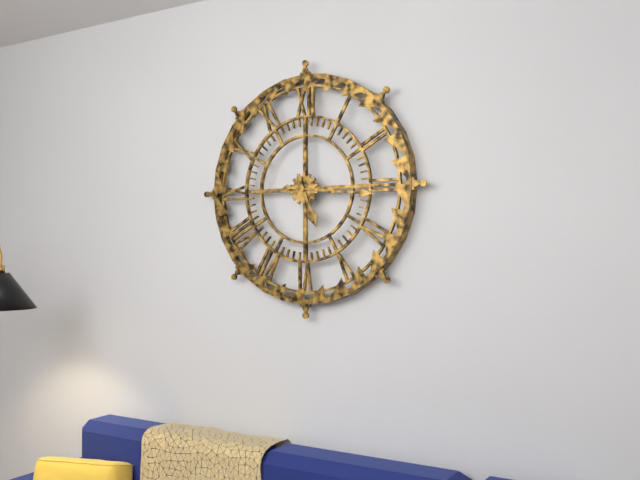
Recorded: {"hour": 5, "minute": 16}
